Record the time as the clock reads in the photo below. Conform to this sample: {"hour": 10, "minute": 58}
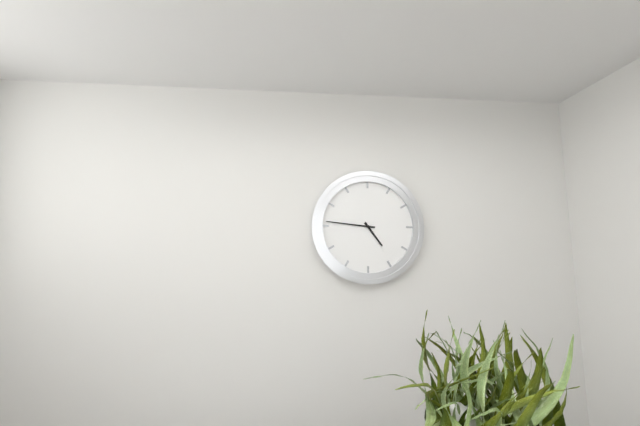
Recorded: {"hour": 4, "minute": 46}
